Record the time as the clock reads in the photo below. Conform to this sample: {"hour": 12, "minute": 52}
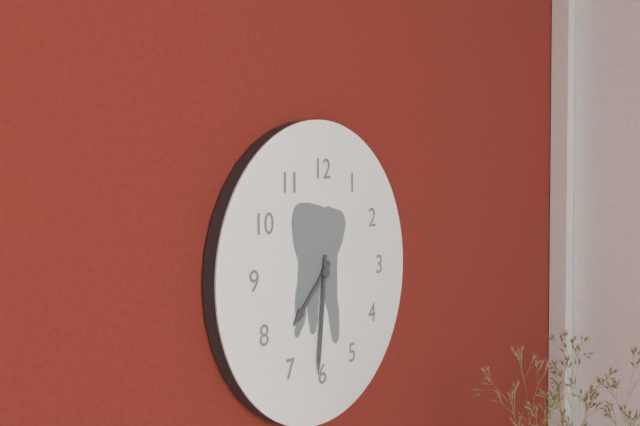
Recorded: {"hour": 7, "minute": 31}
